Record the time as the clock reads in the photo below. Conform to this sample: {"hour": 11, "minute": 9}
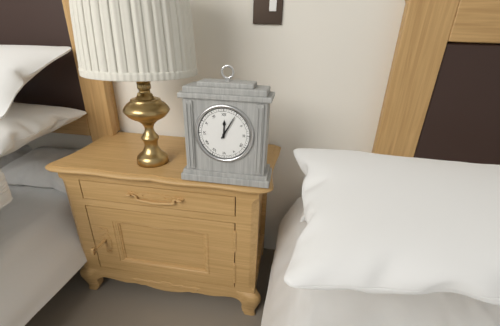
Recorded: {"hour": 12, "minute": 5}
